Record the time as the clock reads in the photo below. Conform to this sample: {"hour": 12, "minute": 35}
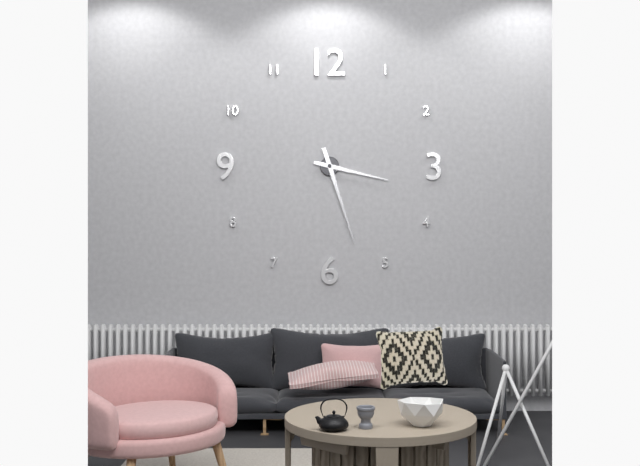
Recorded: {"hour": 3, "minute": 27}
